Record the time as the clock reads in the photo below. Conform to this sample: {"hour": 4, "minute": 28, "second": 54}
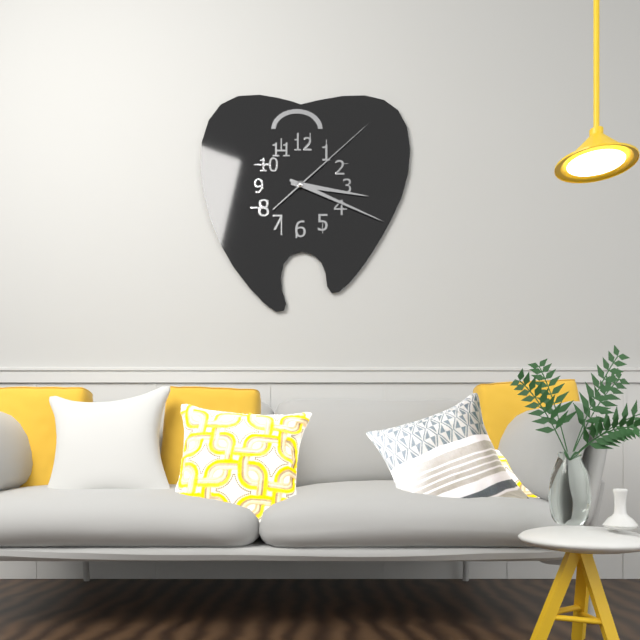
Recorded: {"hour": 3, "minute": 19, "second": 8}
